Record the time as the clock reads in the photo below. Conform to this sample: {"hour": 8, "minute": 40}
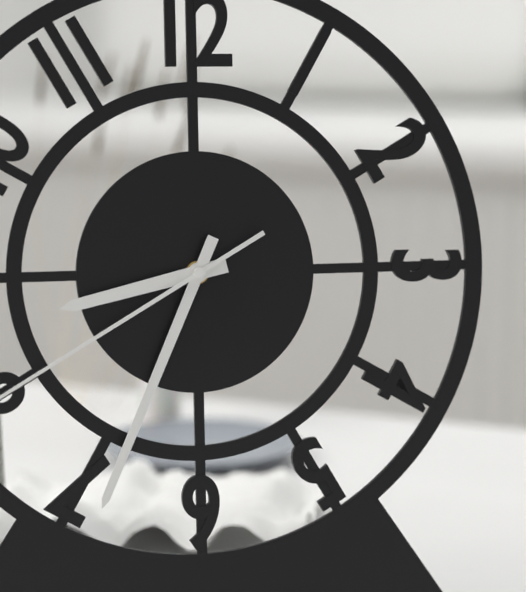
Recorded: {"hour": 8, "minute": 34}
